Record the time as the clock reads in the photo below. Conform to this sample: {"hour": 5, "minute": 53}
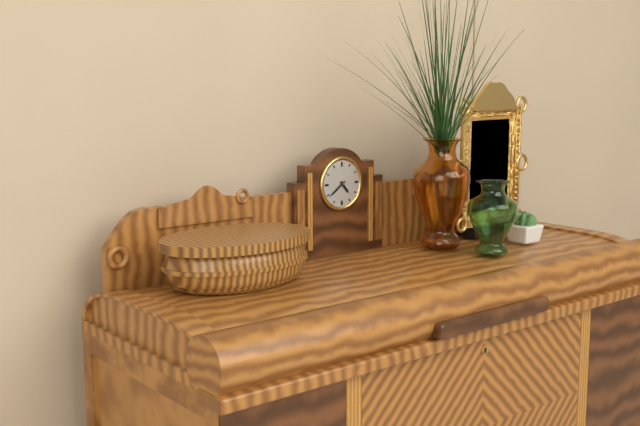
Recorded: {"hour": 4, "minute": 39}
